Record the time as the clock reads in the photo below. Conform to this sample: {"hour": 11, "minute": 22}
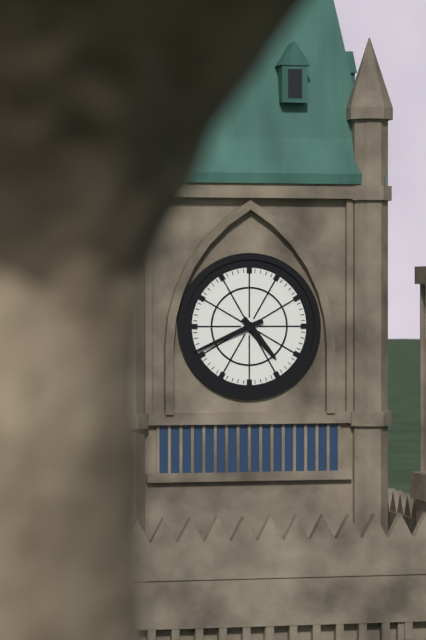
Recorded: {"hour": 4, "minute": 41}
